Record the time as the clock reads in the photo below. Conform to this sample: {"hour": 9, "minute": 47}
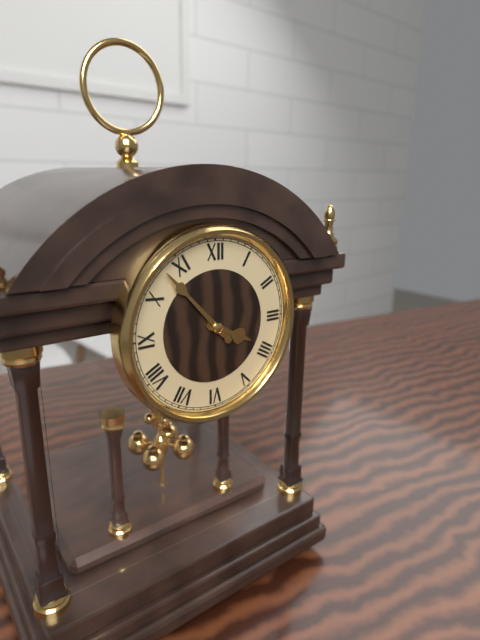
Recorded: {"hour": 3, "minute": 53}
